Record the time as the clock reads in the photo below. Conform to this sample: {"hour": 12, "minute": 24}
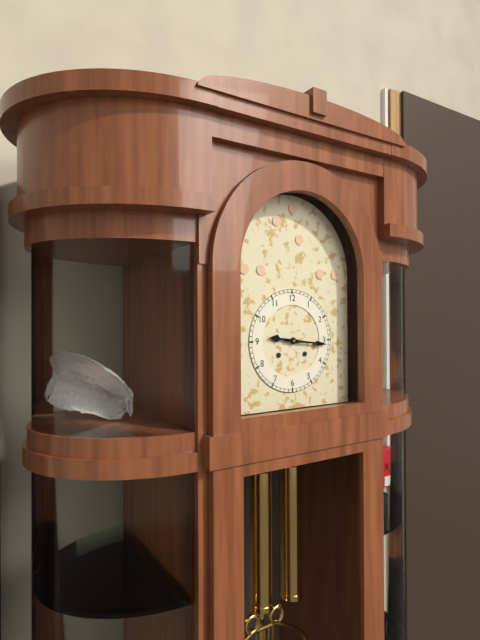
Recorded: {"hour": 9, "minute": 16}
